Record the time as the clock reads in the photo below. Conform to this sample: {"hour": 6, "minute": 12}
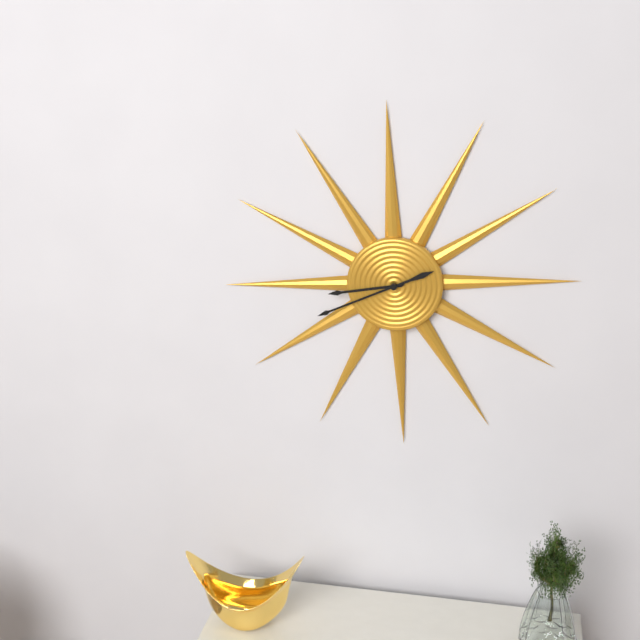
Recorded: {"hour": 8, "minute": 41}
